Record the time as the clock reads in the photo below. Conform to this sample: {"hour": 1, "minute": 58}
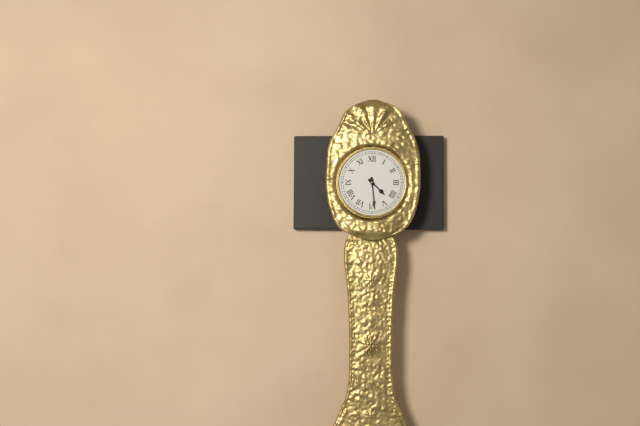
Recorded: {"hour": 4, "minute": 29}
